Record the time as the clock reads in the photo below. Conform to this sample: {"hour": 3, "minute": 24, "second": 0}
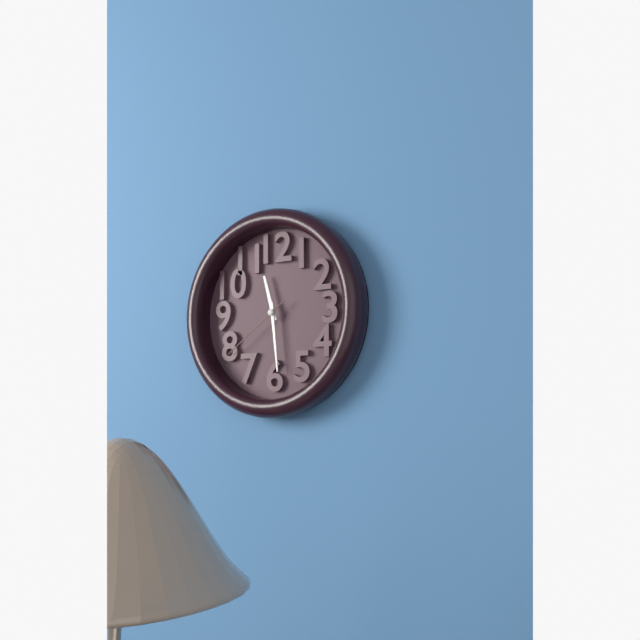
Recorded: {"hour": 11, "minute": 29, "second": 39}
